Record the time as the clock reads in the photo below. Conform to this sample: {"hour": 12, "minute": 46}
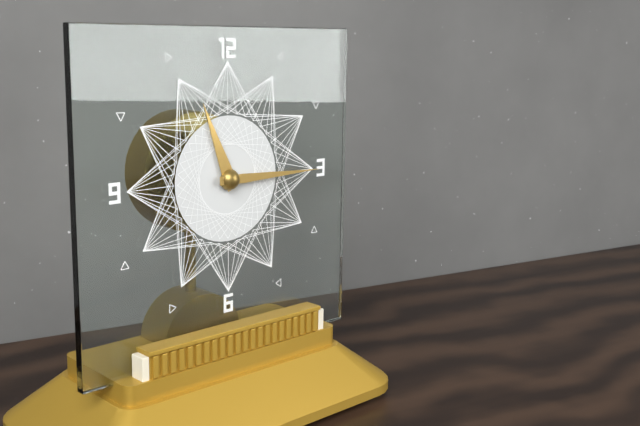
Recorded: {"hour": 11, "minute": 15}
